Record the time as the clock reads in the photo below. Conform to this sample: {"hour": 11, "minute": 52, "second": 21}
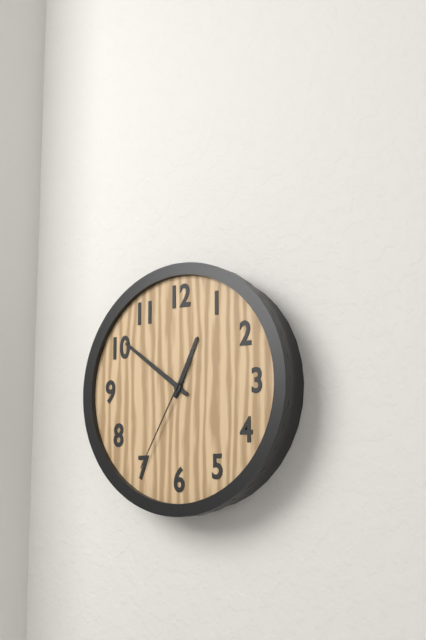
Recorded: {"hour": 12, "minute": 51, "second": 35}
